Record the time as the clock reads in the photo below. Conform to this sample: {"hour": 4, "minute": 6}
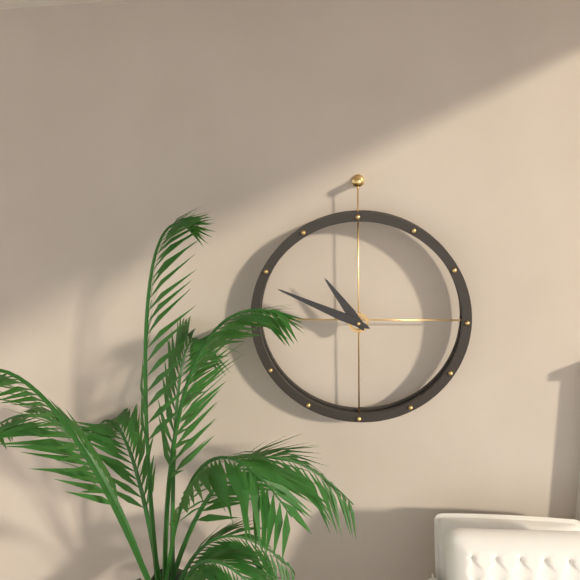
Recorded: {"hour": 10, "minute": 49}
